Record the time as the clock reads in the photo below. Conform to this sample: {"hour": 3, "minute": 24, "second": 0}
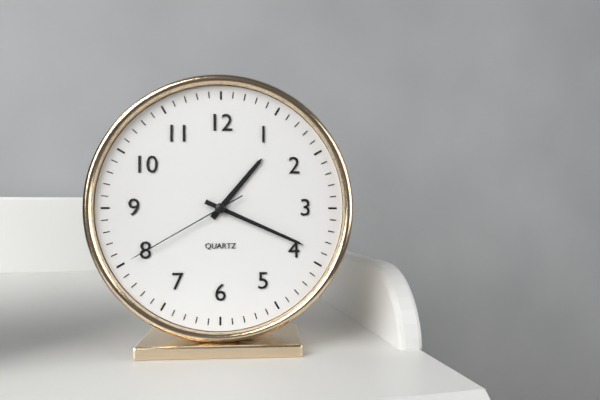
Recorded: {"hour": 1, "minute": 19, "second": 40}
